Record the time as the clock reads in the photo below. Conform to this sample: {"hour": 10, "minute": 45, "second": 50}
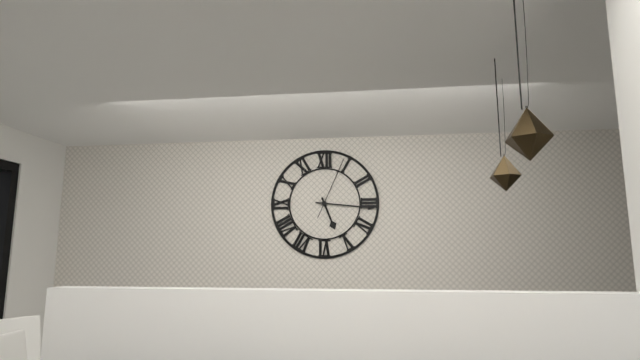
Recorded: {"hour": 5, "minute": 16, "second": 4}
